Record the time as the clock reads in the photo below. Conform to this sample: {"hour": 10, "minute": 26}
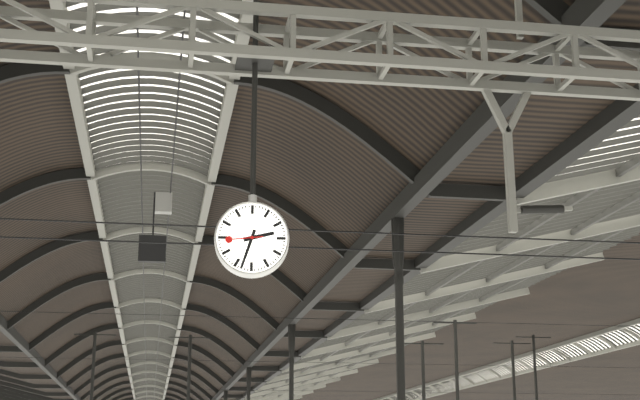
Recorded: {"hour": 2, "minute": 33}
